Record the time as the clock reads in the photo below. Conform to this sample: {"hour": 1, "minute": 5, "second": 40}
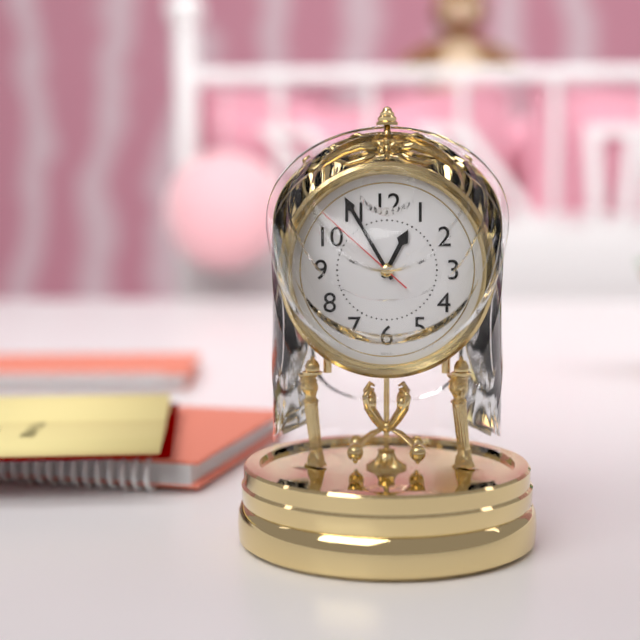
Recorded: {"hour": 12, "minute": 55, "second": 52}
